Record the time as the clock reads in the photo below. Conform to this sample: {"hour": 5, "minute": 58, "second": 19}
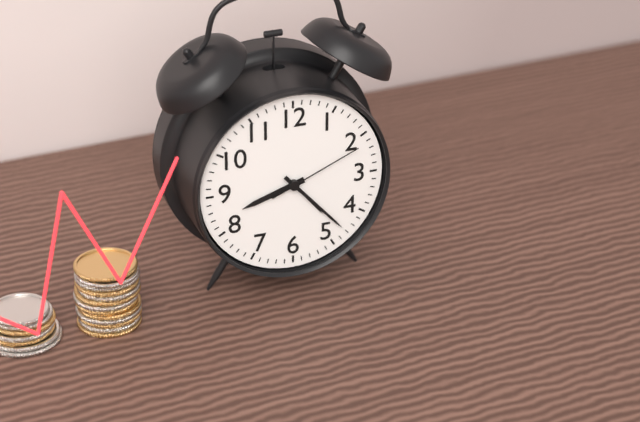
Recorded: {"hour": 8, "minute": 23, "second": 11}
